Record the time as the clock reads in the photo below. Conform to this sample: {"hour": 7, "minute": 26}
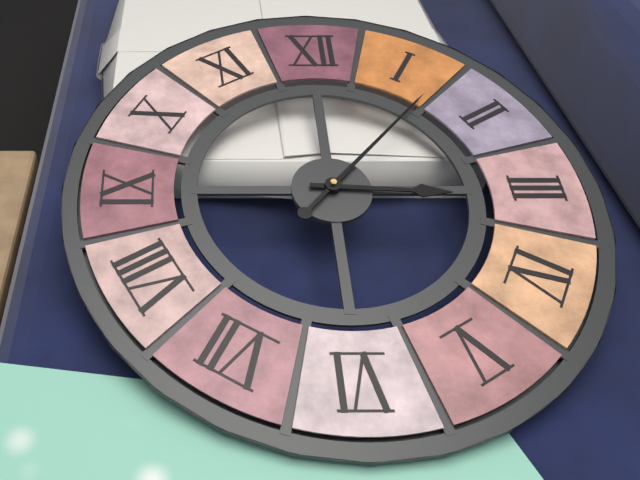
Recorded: {"hour": 3, "minute": 7}
